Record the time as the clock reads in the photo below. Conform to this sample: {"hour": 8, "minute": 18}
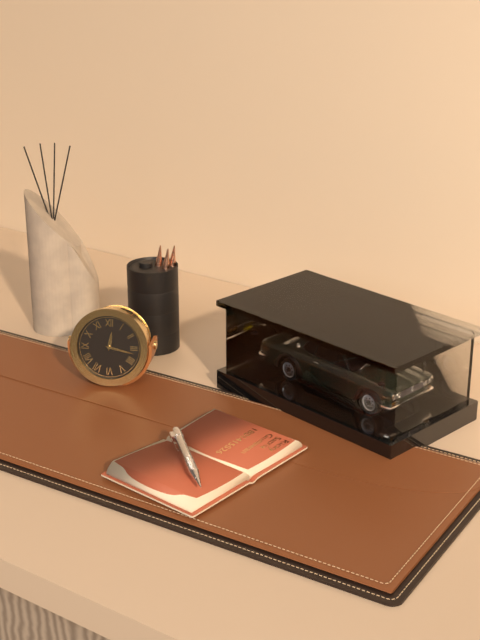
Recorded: {"hour": 12, "minute": 17}
